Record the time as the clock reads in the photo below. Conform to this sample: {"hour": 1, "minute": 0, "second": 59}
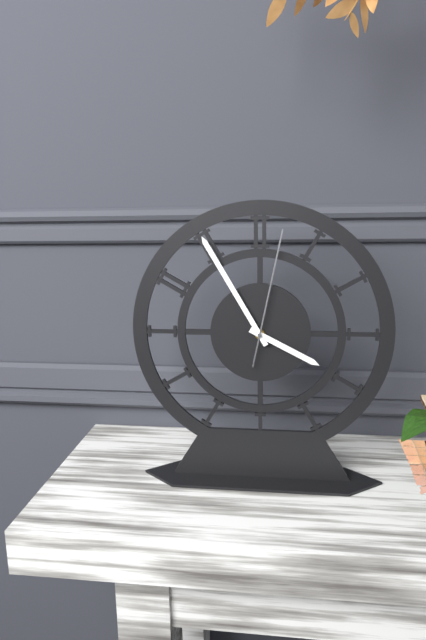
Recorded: {"hour": 3, "minute": 55, "second": 2}
